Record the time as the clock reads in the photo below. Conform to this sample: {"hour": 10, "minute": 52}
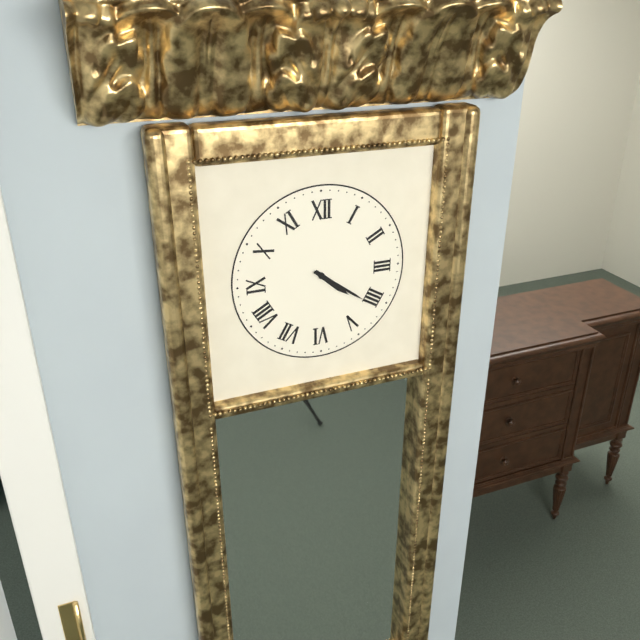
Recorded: {"hour": 4, "minute": 21}
